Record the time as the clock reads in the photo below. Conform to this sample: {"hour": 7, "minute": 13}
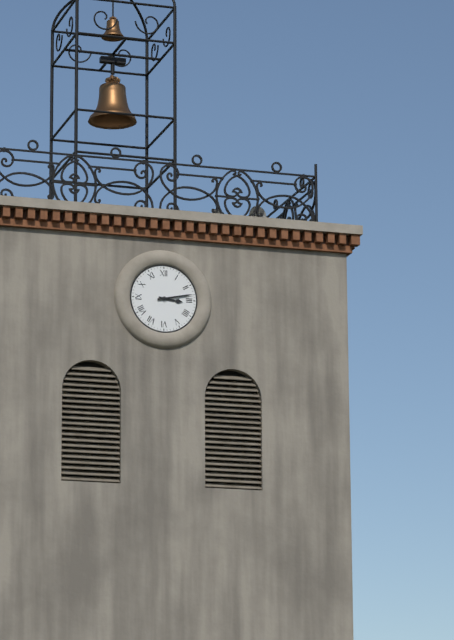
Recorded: {"hour": 3, "minute": 13}
